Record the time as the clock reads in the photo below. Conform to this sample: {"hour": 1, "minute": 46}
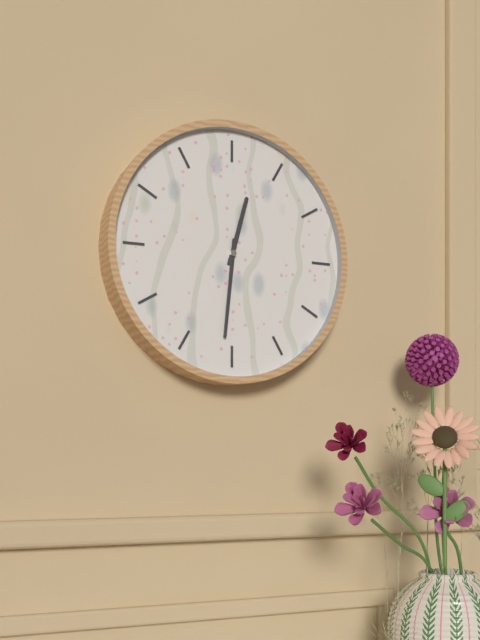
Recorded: {"hour": 12, "minute": 31}
